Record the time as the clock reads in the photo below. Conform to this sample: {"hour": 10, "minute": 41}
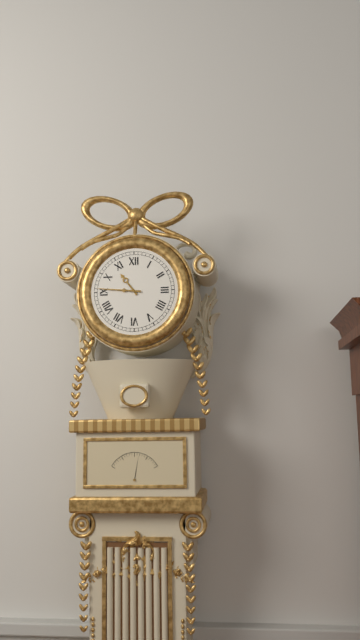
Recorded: {"hour": 10, "minute": 46}
